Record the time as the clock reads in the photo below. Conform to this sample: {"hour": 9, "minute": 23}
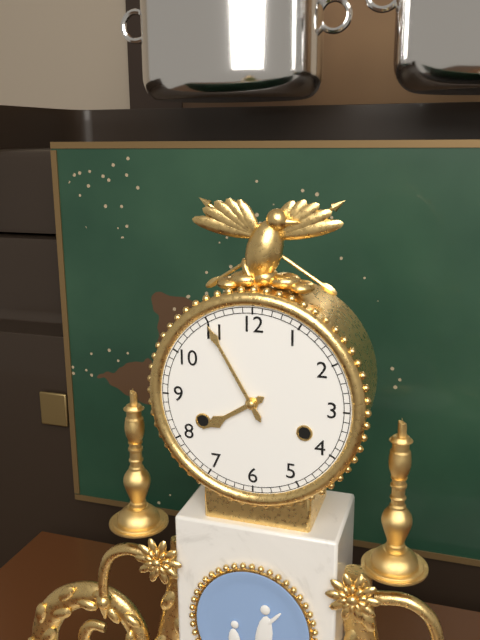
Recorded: {"hour": 7, "minute": 55}
